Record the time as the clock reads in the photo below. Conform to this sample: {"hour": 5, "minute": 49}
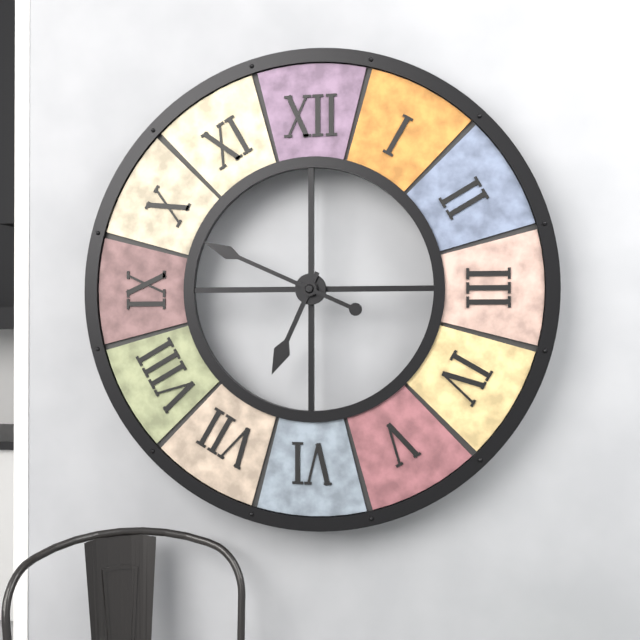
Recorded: {"hour": 6, "minute": 49}
